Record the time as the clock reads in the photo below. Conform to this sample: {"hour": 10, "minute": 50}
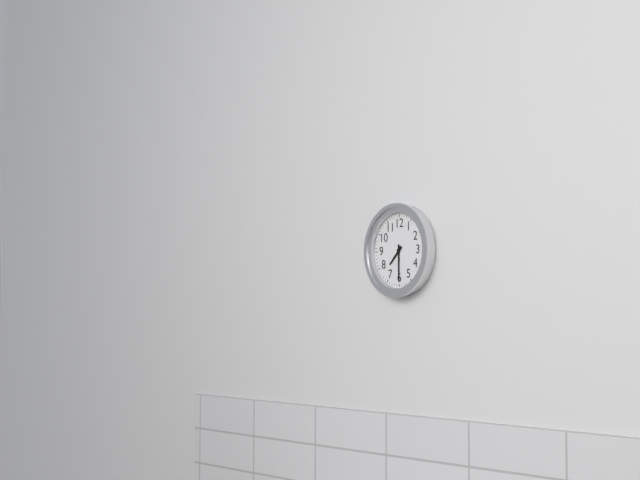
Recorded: {"hour": 7, "minute": 30}
